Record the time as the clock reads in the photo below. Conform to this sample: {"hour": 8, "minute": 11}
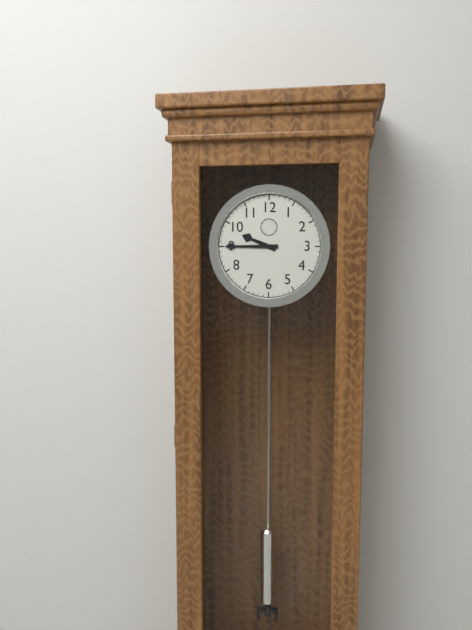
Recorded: {"hour": 9, "minute": 45}
